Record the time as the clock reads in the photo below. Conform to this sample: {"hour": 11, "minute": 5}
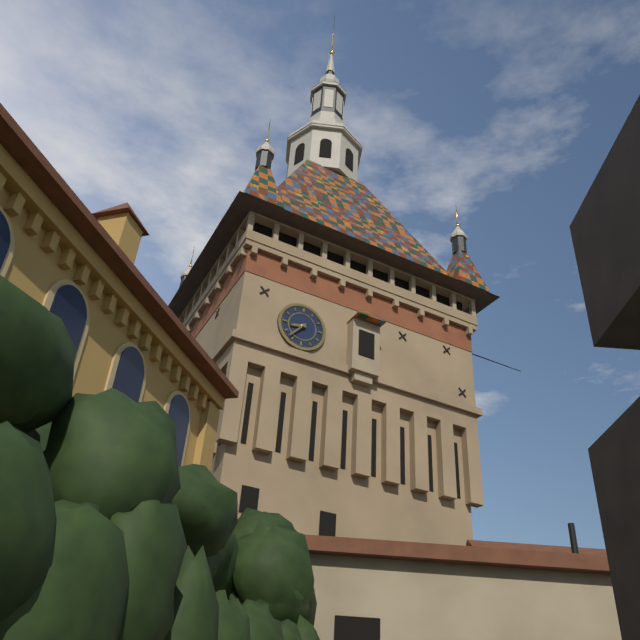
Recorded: {"hour": 8, "minute": 37}
